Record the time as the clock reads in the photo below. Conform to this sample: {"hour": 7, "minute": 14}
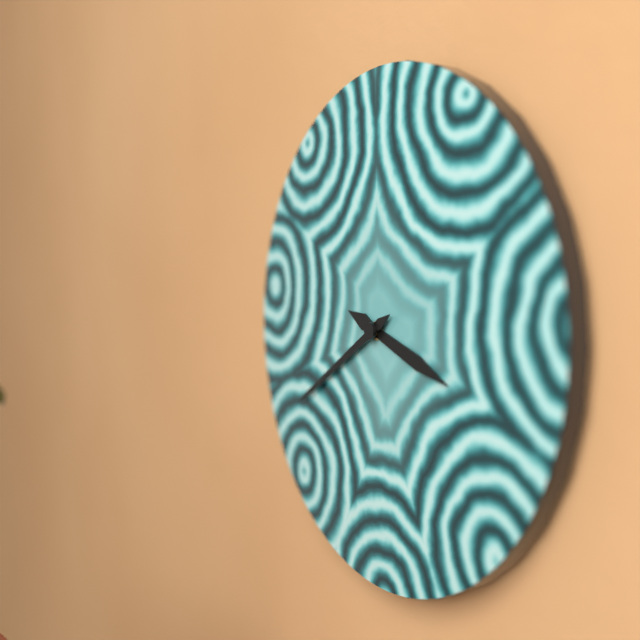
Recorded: {"hour": 3, "minute": 40}
